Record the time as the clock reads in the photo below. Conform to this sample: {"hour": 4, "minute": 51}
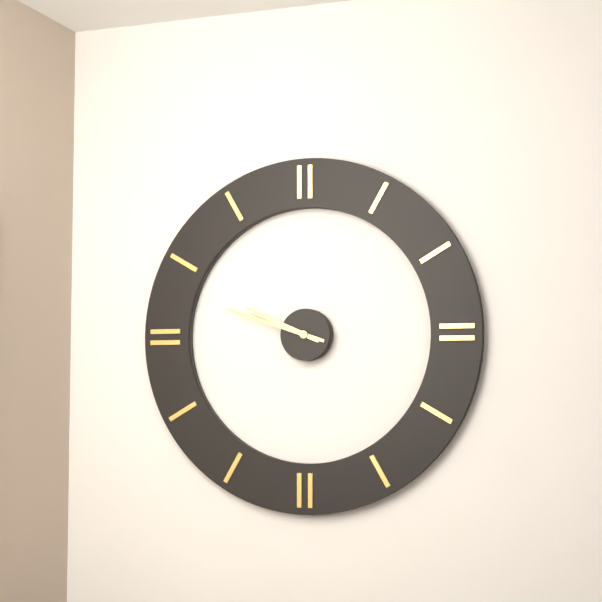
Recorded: {"hour": 9, "minute": 48}
